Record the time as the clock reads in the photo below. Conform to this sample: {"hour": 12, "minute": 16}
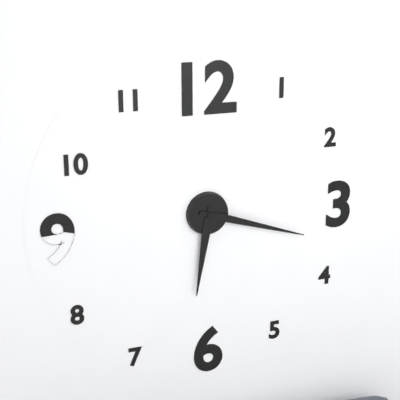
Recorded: {"hour": 6, "minute": 18}
